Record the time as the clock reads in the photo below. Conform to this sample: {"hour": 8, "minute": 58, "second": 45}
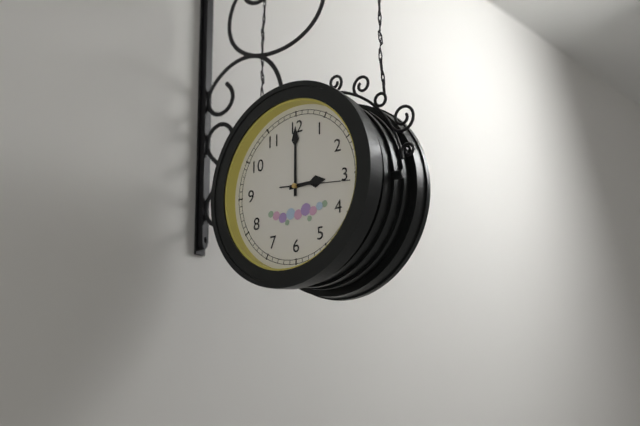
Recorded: {"hour": 3, "minute": 0, "second": 16}
